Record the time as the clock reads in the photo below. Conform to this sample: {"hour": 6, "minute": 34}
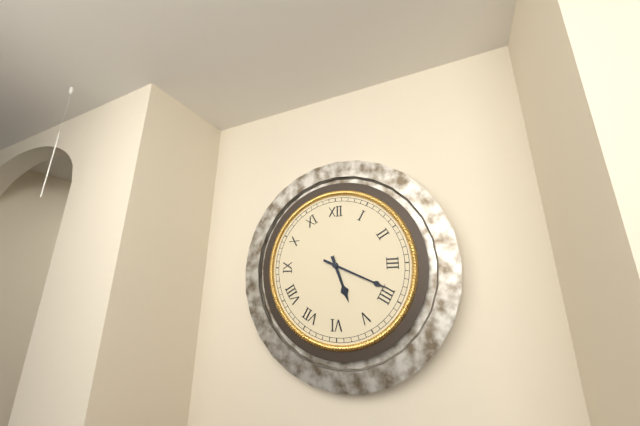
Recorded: {"hour": 5, "minute": 19}
